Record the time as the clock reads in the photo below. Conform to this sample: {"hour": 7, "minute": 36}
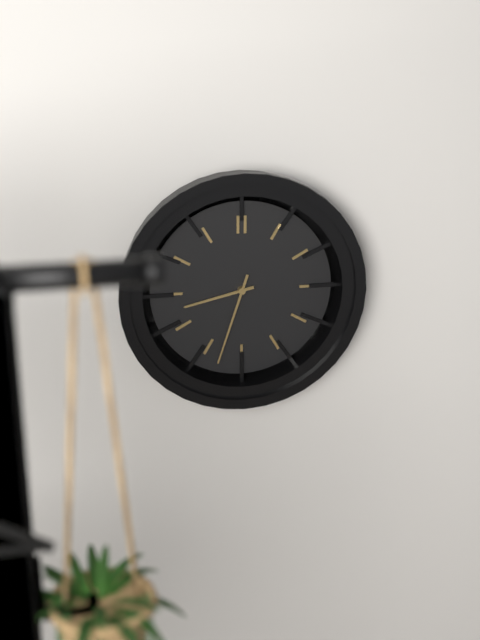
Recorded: {"hour": 8, "minute": 33}
